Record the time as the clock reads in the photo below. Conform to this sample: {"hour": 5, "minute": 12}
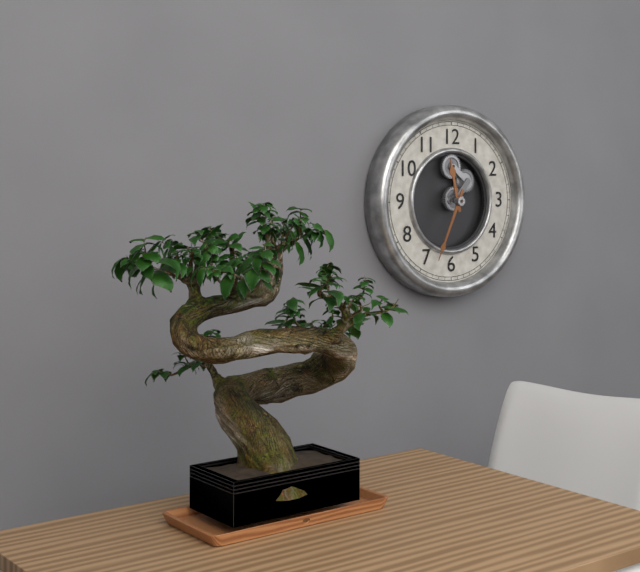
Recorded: {"hour": 11, "minute": 34}
